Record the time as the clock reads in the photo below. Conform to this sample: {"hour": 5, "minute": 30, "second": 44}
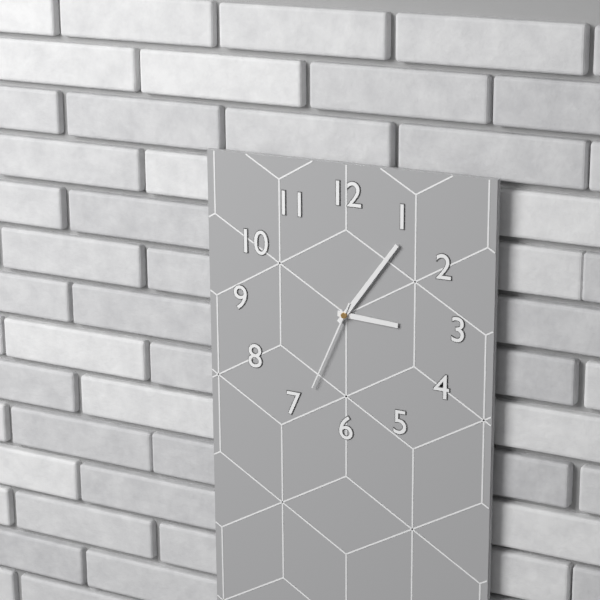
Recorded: {"hour": 3, "minute": 6, "second": 34}
